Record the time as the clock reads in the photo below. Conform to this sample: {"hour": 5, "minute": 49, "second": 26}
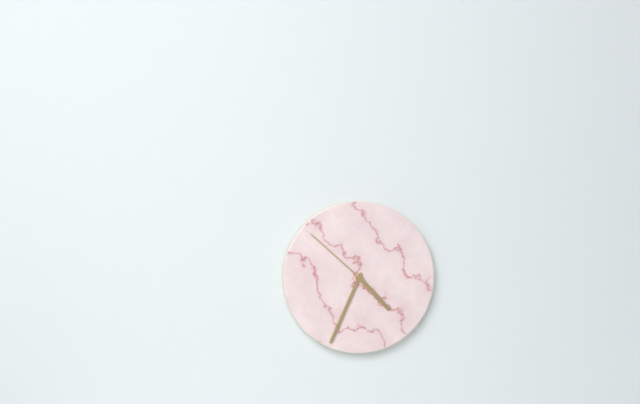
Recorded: {"hour": 4, "minute": 34, "second": 52}
